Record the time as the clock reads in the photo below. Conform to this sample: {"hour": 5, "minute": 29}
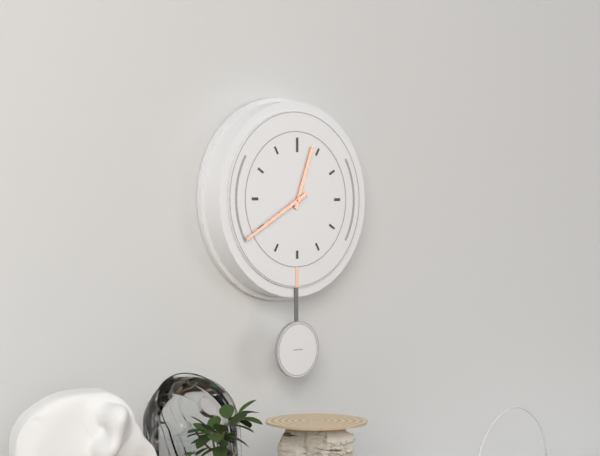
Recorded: {"hour": 12, "minute": 40}
